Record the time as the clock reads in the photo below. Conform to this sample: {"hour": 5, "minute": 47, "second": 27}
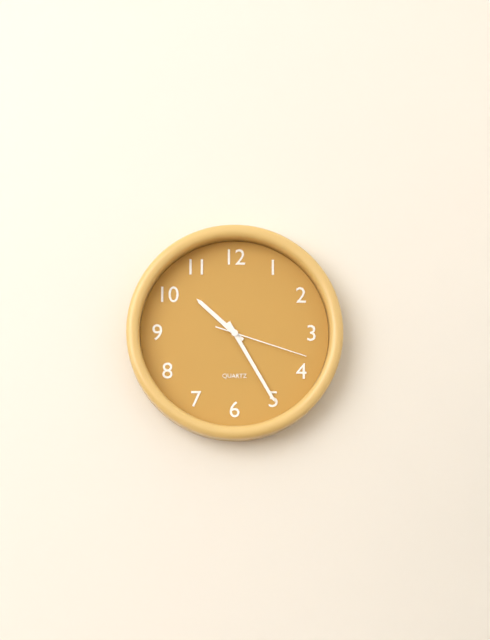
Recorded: {"hour": 10, "minute": 25, "second": 18}
